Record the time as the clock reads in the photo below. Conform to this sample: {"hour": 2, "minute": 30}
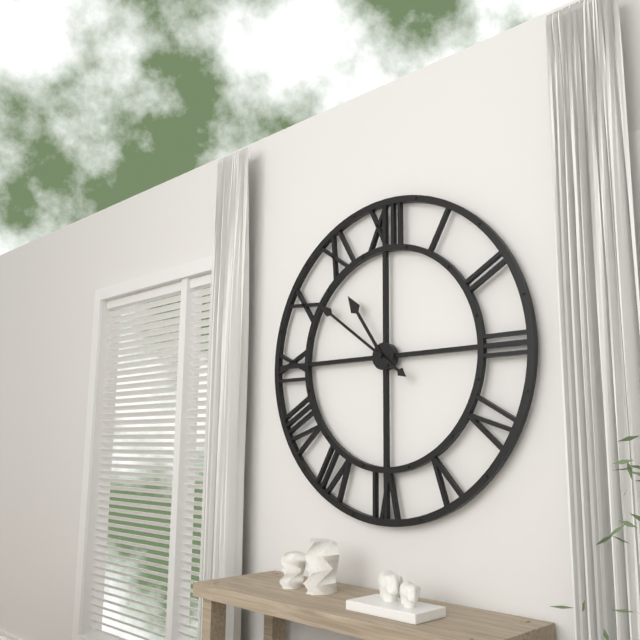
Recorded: {"hour": 10, "minute": 51}
